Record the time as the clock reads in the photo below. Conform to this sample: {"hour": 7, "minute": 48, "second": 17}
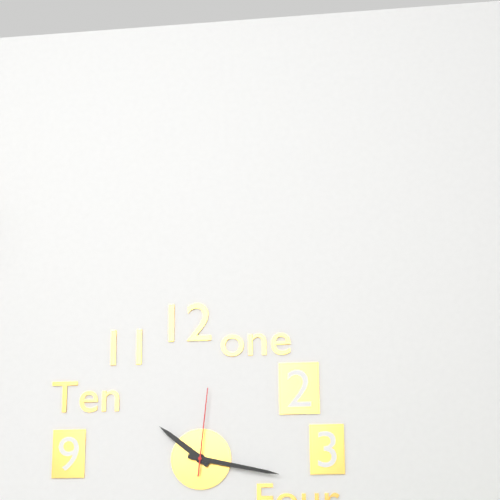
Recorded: {"hour": 10, "minute": 17, "second": 1}
